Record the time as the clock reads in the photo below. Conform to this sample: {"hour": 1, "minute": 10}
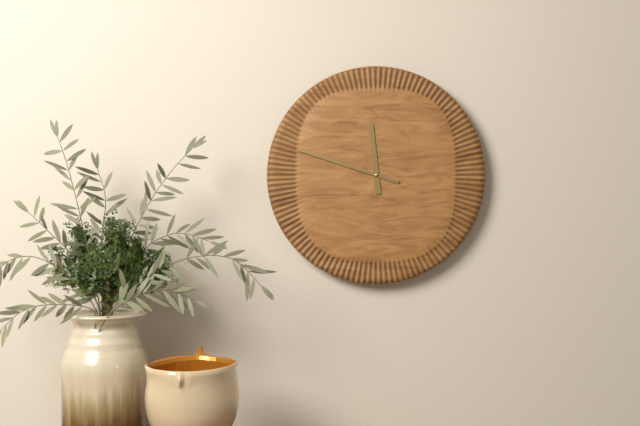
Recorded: {"hour": 11, "minute": 48}
